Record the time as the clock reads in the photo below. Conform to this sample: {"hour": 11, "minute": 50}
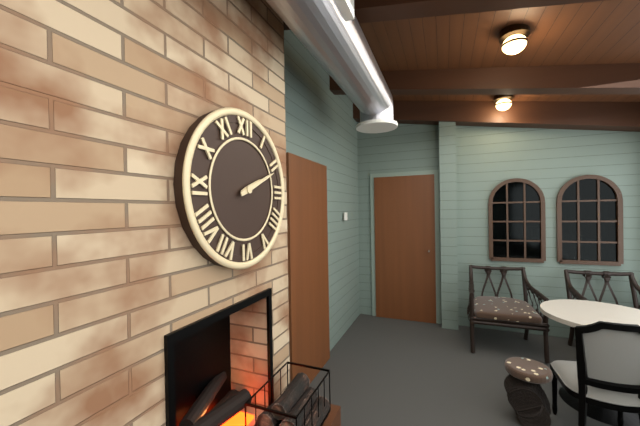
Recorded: {"hour": 2, "minute": 11}
